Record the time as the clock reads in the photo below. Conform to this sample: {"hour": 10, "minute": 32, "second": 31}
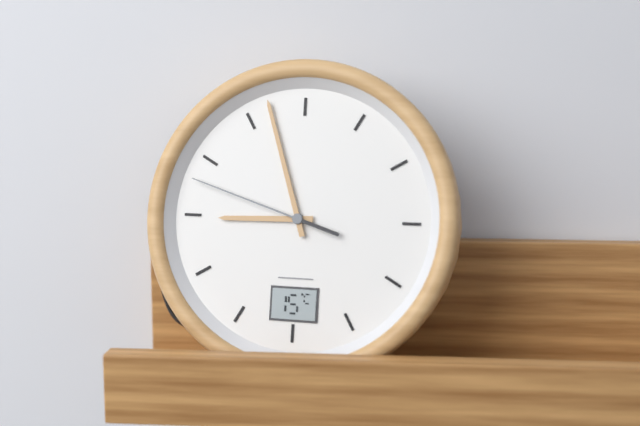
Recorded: {"hour": 8, "minute": 57, "second": 48}
